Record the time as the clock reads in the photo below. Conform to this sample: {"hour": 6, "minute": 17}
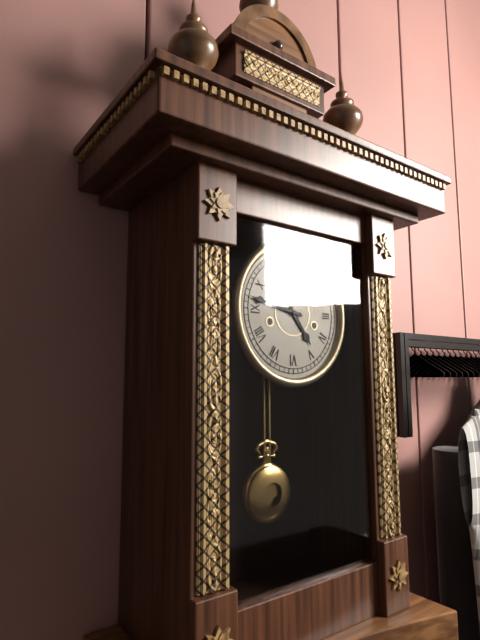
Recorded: {"hour": 4, "minute": 47}
